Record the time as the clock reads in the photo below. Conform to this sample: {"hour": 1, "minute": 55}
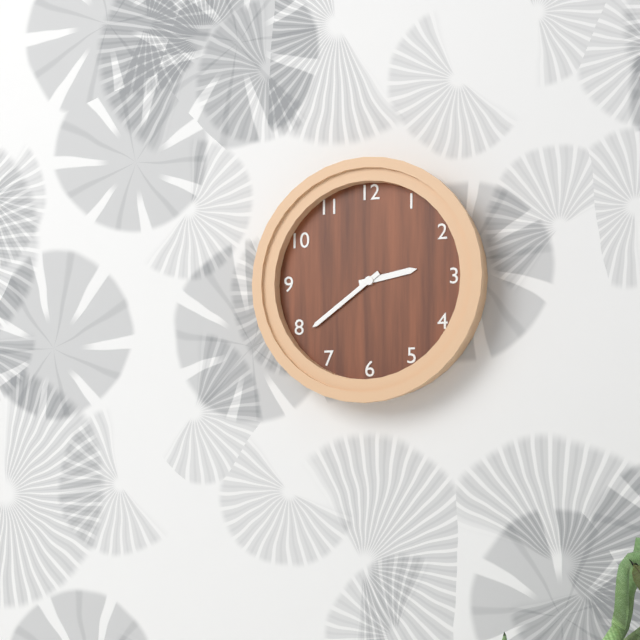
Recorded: {"hour": 2, "minute": 39}
